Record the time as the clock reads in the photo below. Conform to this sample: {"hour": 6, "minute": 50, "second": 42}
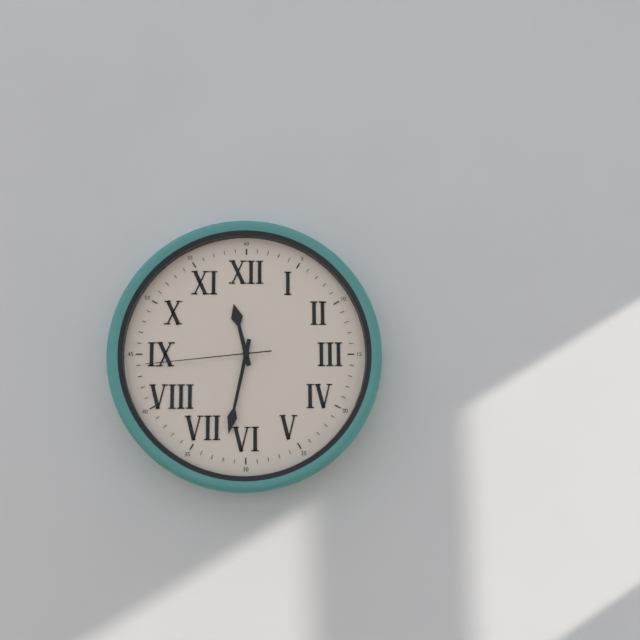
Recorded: {"hour": 11, "minute": 32, "second": 44}
